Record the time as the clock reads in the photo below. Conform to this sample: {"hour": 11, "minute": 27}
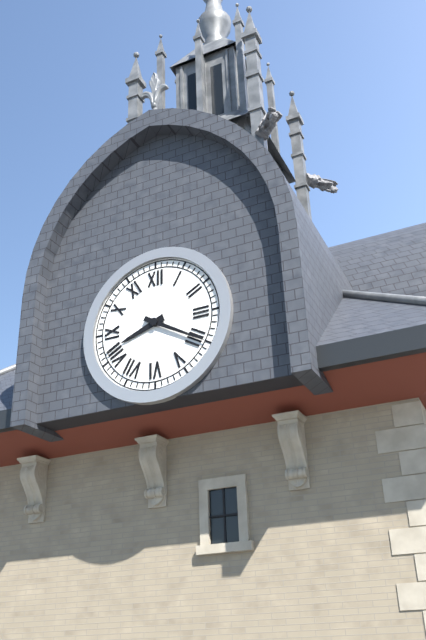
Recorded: {"hour": 8, "minute": 20}
